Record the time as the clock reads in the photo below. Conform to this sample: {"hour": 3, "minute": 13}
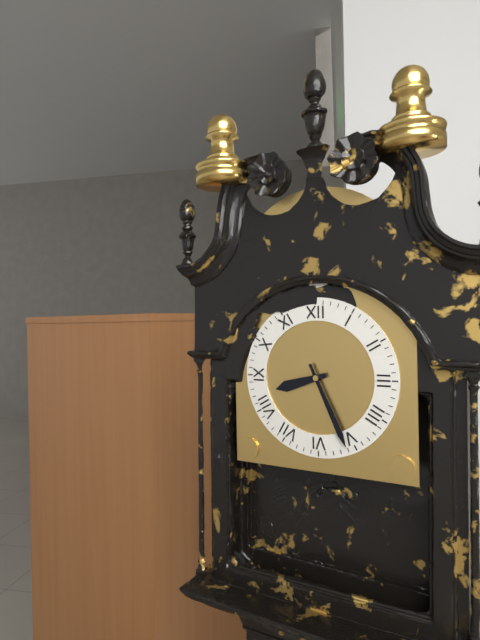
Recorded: {"hour": 8, "minute": 26}
